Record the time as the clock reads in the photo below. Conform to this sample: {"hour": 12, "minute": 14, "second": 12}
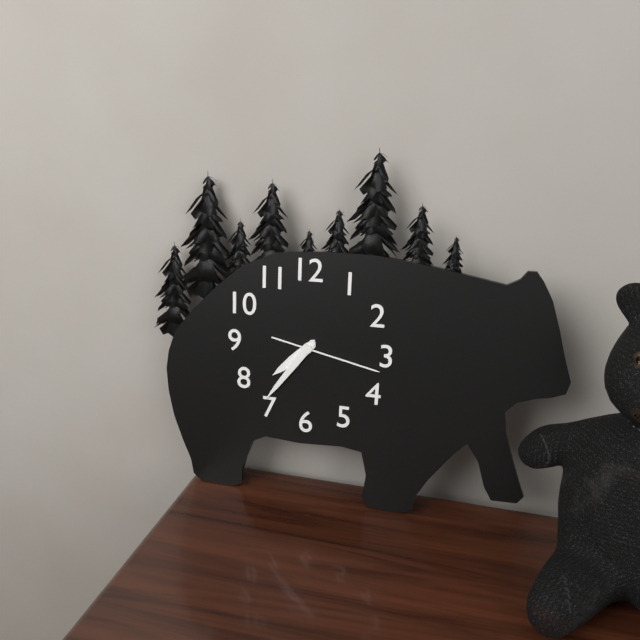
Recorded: {"hour": 7, "minute": 36, "second": 17}
